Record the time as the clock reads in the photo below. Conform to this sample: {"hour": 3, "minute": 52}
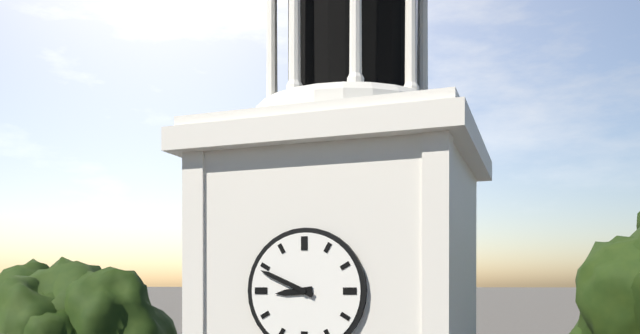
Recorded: {"hour": 8, "minute": 49}
